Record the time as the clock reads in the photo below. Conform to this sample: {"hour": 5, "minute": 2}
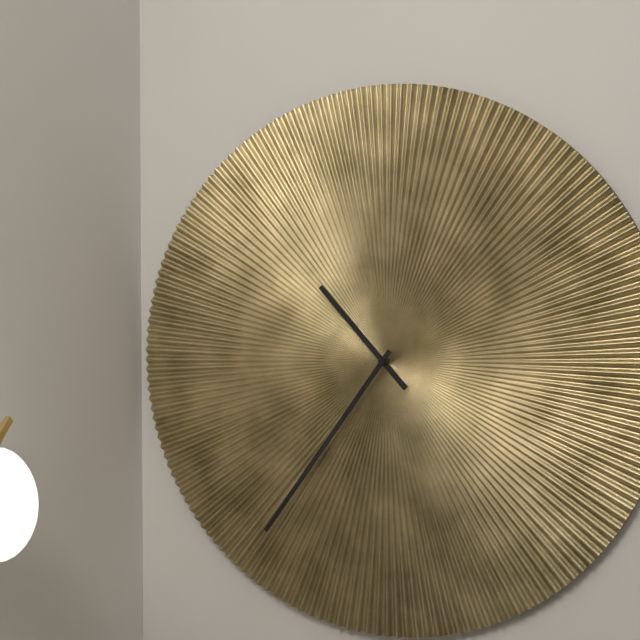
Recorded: {"hour": 10, "minute": 36}
